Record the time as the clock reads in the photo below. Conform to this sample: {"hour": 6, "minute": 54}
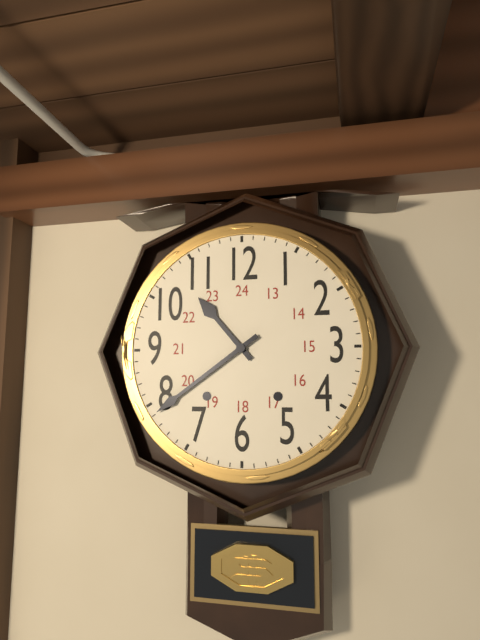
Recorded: {"hour": 10, "minute": 39}
